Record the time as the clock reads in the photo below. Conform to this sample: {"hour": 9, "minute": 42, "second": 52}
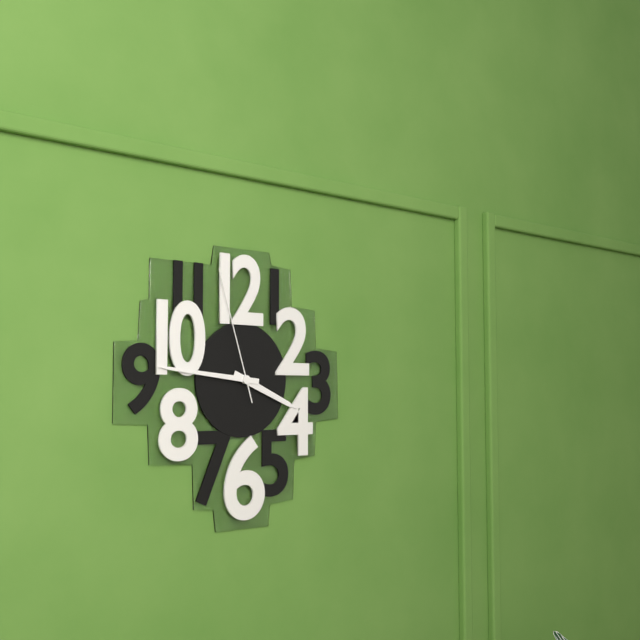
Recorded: {"hour": 3, "minute": 46, "second": 57}
